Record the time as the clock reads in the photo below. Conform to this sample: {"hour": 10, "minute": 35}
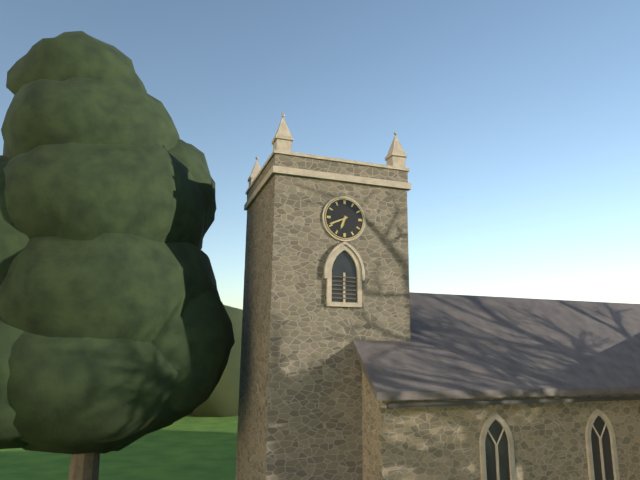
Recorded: {"hour": 6, "minute": 41}
